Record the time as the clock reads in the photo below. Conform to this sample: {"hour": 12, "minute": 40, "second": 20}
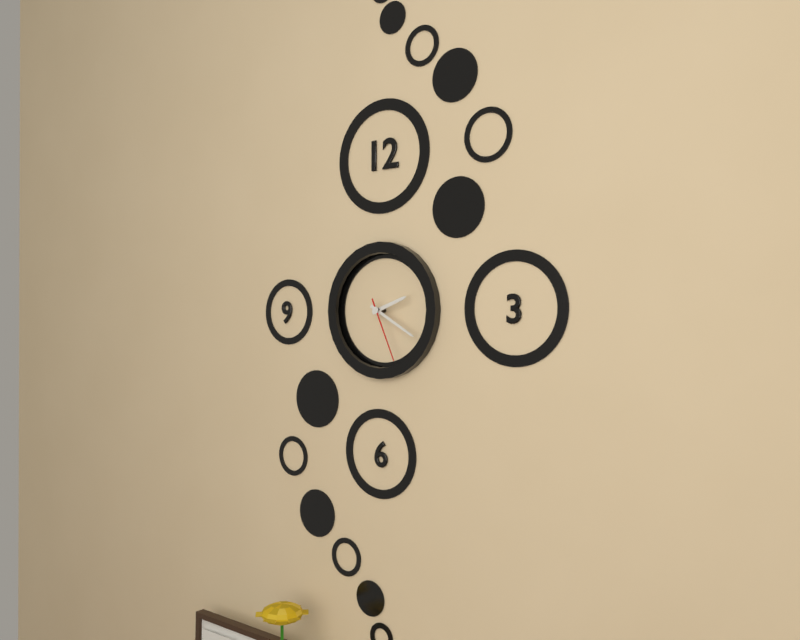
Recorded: {"hour": 2, "minute": 20, "second": 26}
